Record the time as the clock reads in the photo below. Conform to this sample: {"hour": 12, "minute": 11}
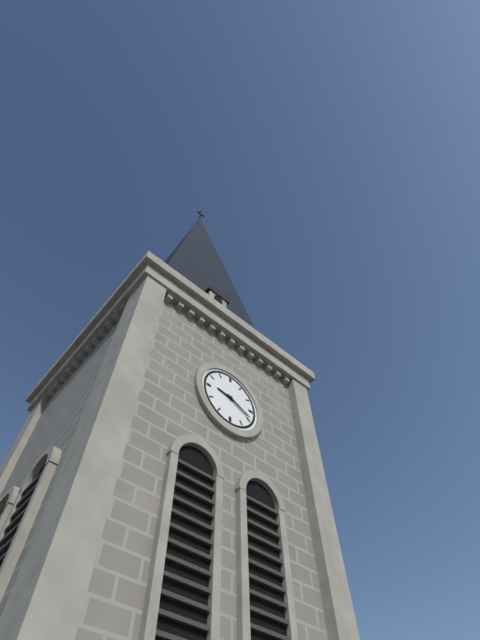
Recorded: {"hour": 9, "minute": 19}
